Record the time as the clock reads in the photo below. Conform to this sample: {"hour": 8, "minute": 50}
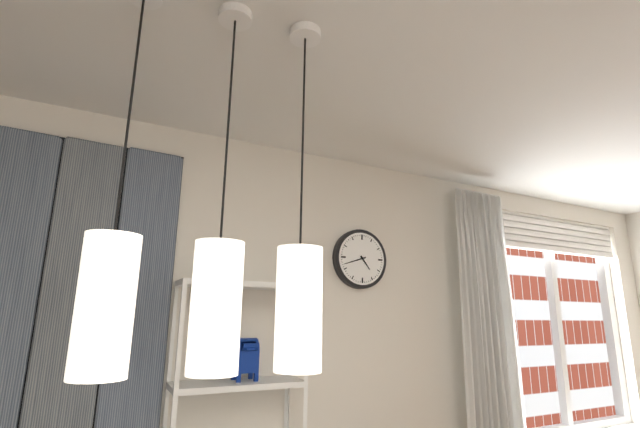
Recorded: {"hour": 4, "minute": 42}
